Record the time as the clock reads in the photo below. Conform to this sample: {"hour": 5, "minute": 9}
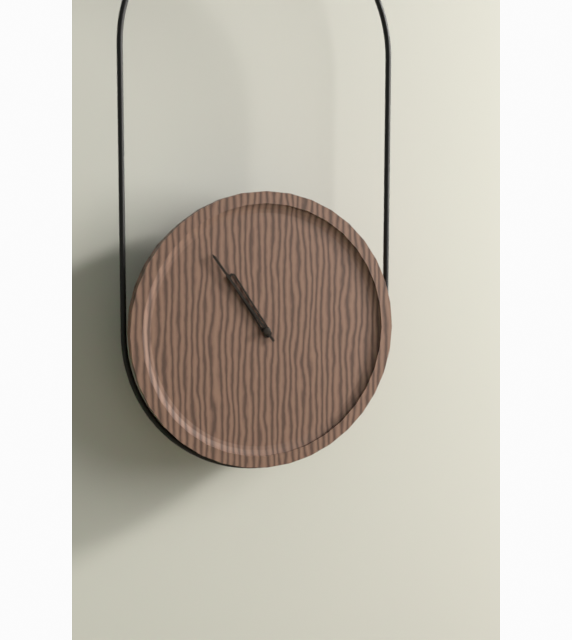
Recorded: {"hour": 10, "minute": 54}
